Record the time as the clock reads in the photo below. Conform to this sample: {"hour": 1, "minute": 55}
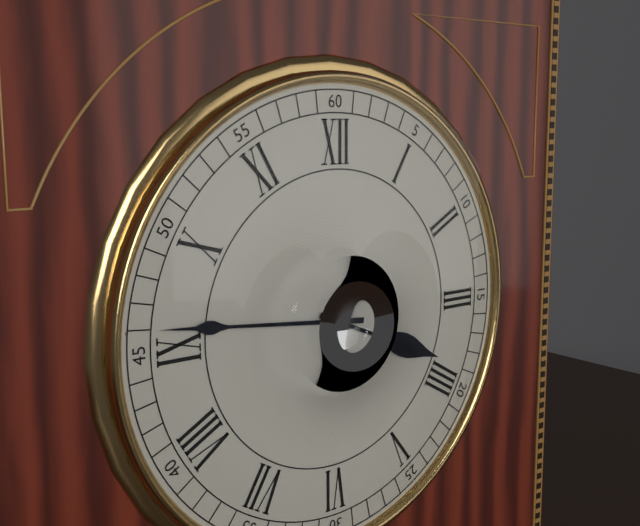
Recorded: {"hour": 3, "minute": 46}
